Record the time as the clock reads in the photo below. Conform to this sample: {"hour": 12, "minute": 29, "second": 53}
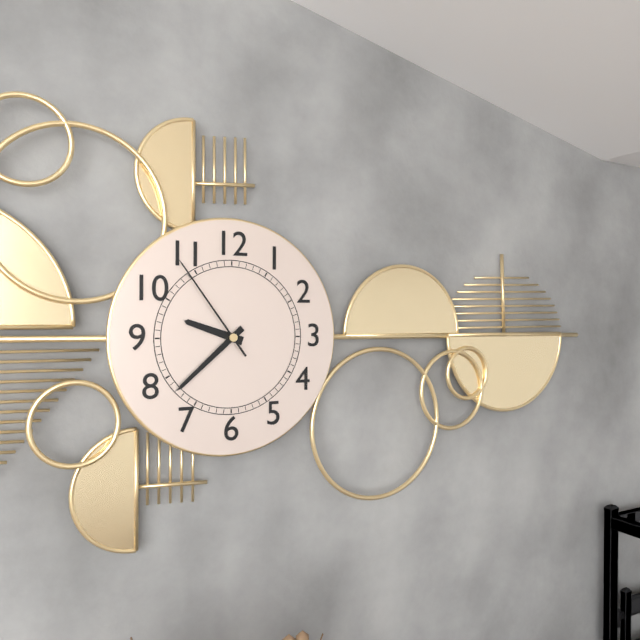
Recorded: {"hour": 9, "minute": 38, "second": 54}
